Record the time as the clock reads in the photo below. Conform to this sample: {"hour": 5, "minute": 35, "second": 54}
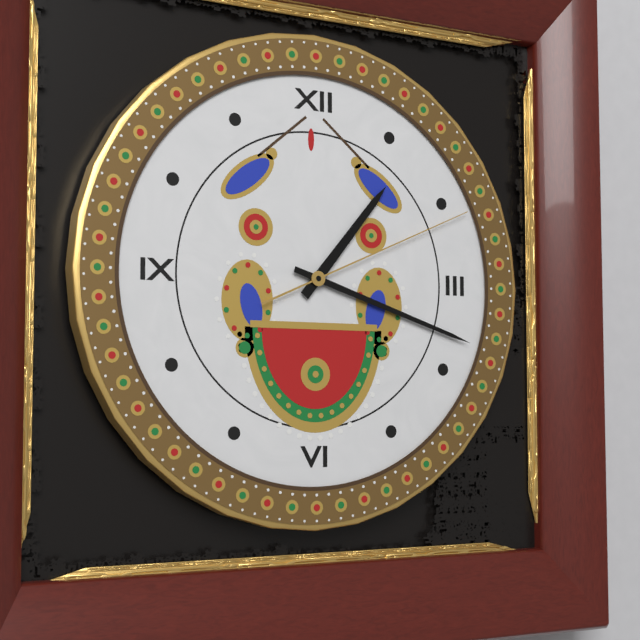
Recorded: {"hour": 1, "minute": 18, "second": 11}
